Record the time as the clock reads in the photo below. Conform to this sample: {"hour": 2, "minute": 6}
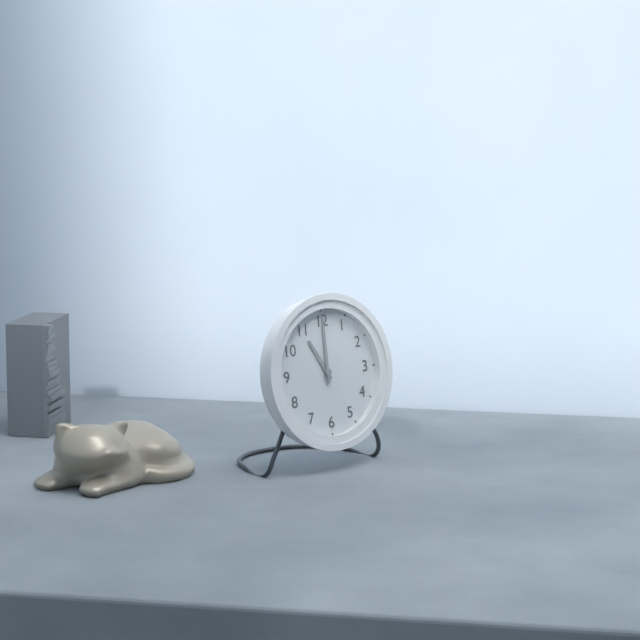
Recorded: {"hour": 11, "minute": 0}
